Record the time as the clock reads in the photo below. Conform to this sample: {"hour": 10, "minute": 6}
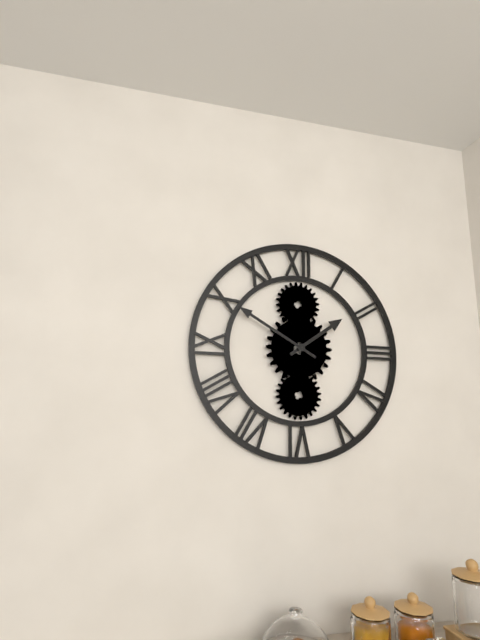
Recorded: {"hour": 1, "minute": 50}
